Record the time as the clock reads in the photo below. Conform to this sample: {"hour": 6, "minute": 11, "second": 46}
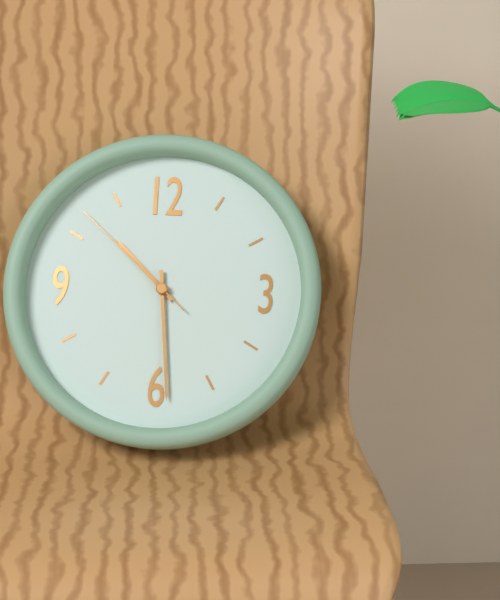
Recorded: {"hour": 10, "minute": 29, "second": 52}
